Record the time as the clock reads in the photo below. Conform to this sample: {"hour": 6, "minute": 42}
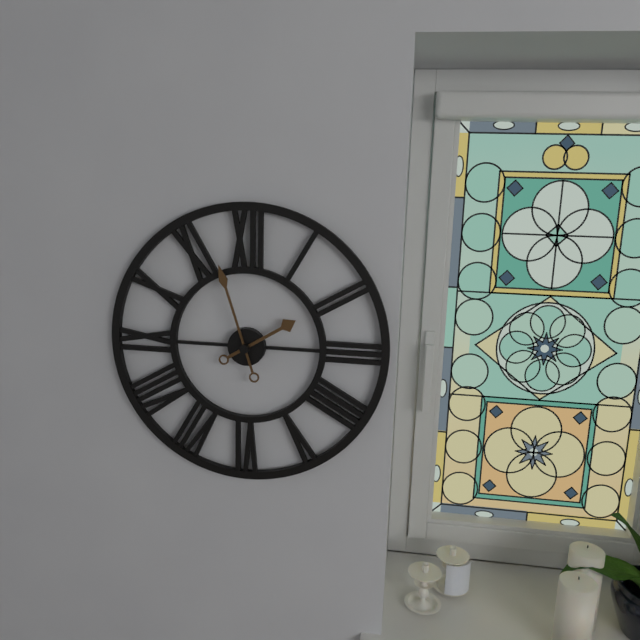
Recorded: {"hour": 1, "minute": 57}
